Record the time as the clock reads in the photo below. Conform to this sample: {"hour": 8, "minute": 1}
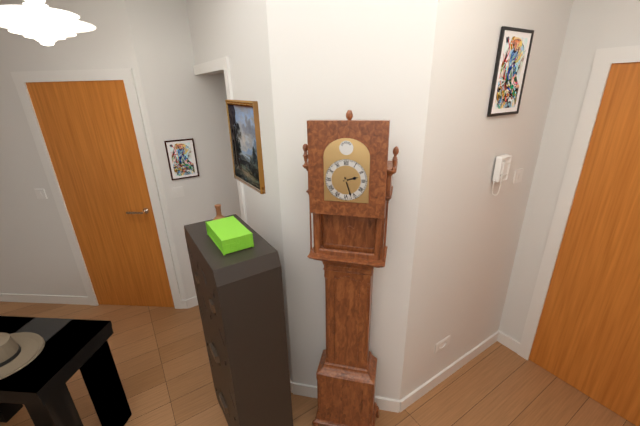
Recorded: {"hour": 2, "minute": 27}
